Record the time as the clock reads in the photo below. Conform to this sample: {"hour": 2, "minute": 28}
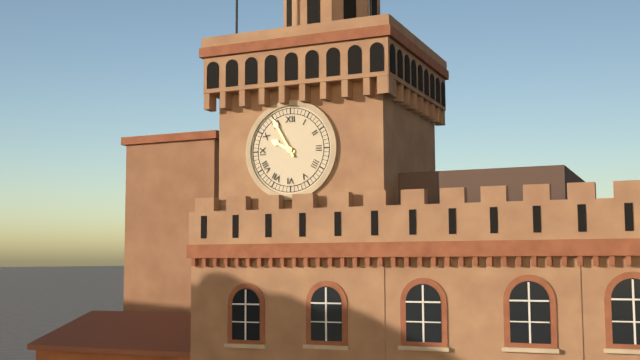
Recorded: {"hour": 9, "minute": 55}
